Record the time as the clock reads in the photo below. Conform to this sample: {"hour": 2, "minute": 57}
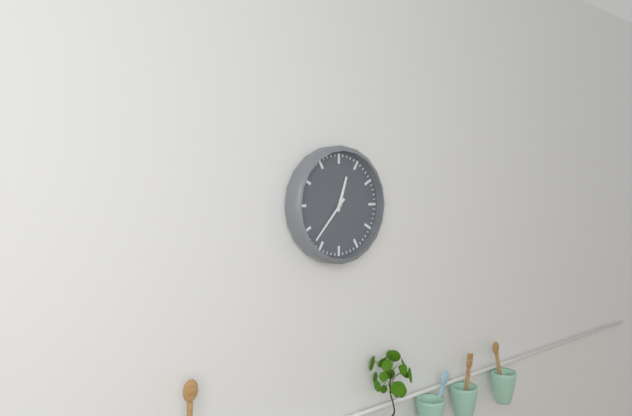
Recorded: {"hour": 12, "minute": 37}
